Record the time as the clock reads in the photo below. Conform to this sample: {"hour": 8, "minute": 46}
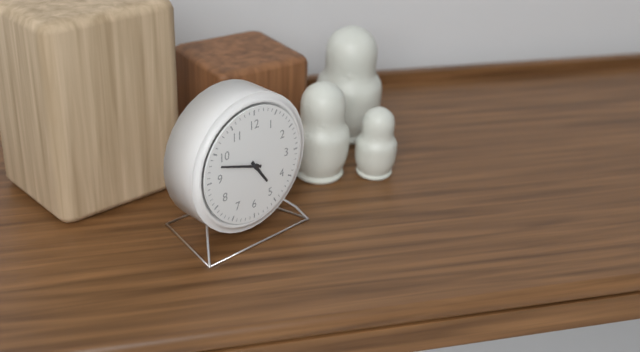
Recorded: {"hour": 4, "minute": 48}
